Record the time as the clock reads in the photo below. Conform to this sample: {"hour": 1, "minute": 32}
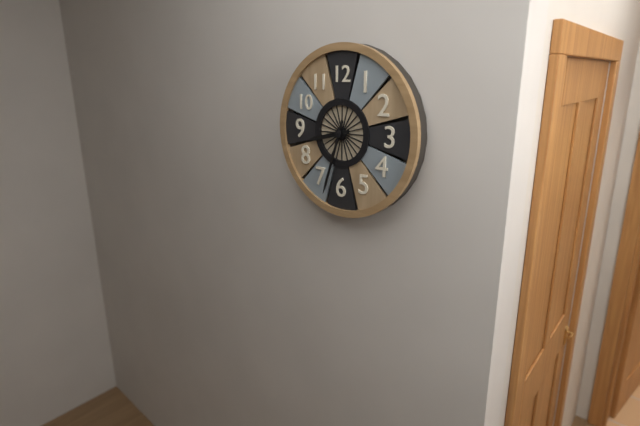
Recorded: {"hour": 8, "minute": 33}
